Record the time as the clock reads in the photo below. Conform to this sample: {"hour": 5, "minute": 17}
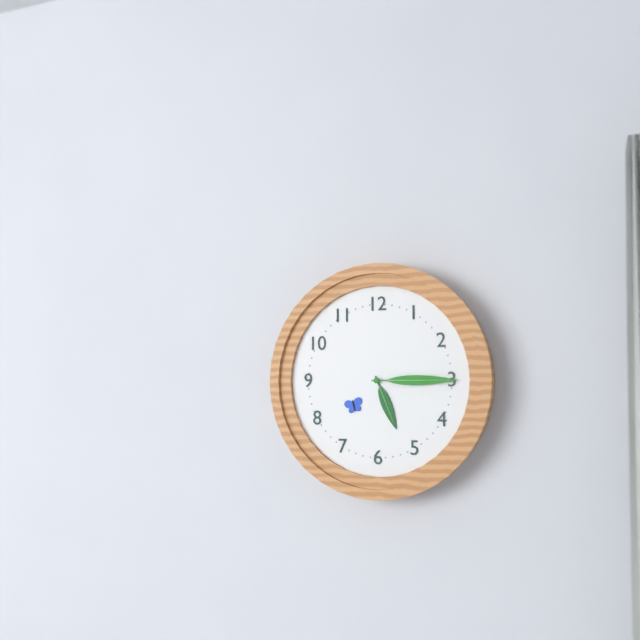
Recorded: {"hour": 5, "minute": 15}
